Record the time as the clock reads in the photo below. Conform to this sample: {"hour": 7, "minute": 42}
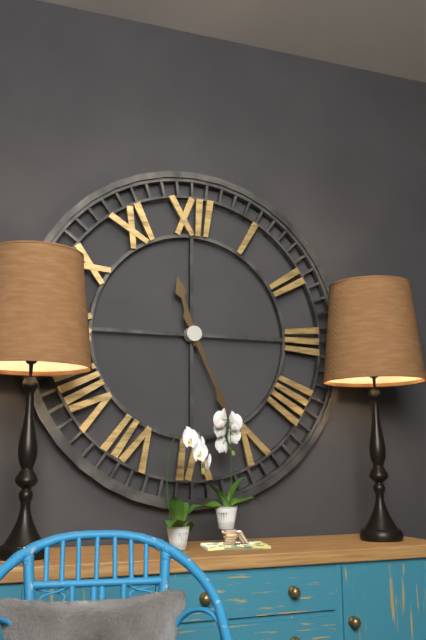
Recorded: {"hour": 11, "minute": 26}
